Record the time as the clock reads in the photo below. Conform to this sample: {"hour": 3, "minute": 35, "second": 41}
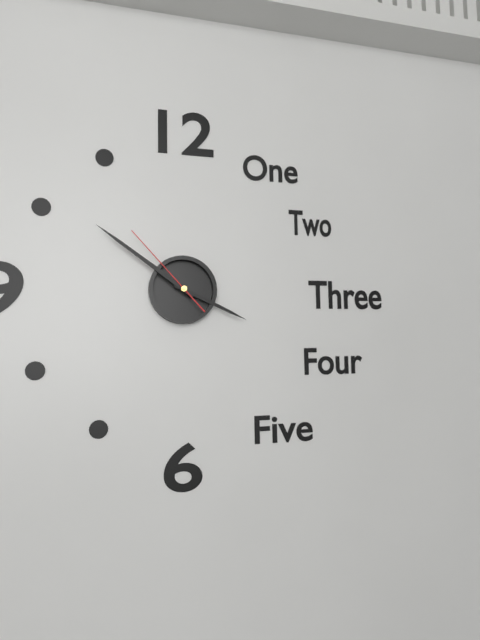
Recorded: {"hour": 3, "minute": 51, "second": 53}
